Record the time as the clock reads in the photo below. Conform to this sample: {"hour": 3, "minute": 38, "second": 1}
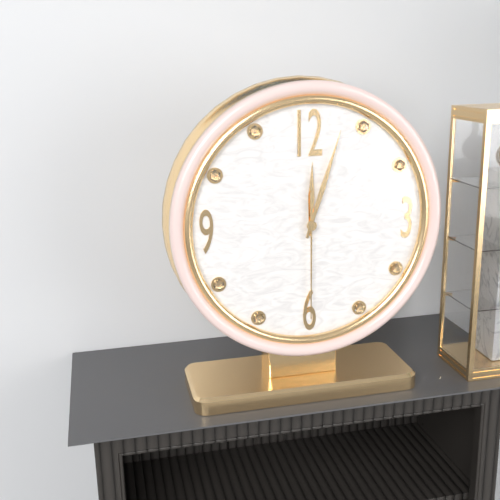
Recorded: {"hour": 12, "minute": 3, "second": 30}
